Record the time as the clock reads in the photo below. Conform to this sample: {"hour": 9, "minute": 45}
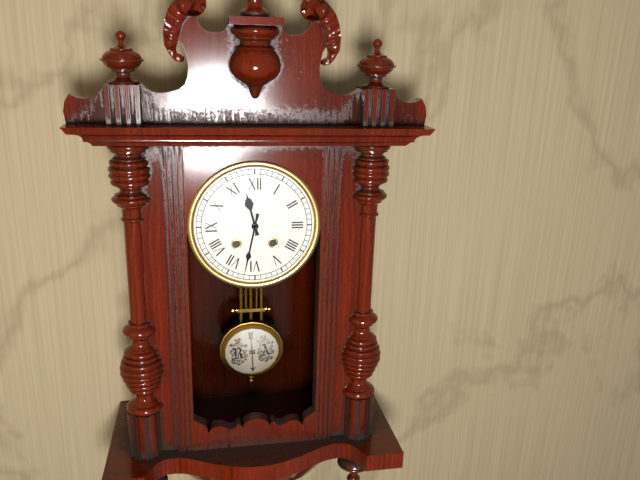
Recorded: {"hour": 11, "minute": 32}
